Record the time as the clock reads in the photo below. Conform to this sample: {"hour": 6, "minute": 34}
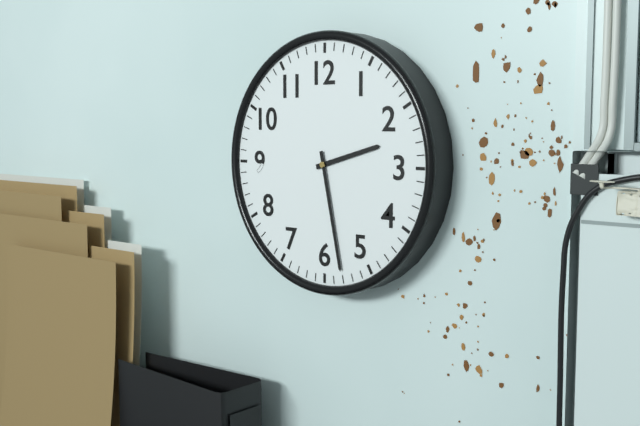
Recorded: {"hour": 2, "minute": 28}
